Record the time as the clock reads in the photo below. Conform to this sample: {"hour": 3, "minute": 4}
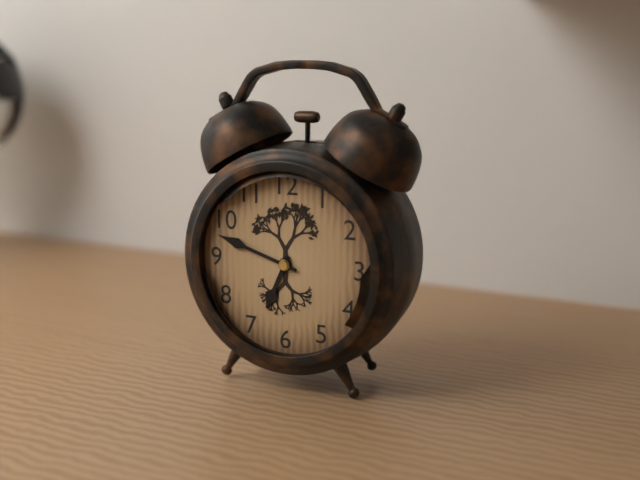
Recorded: {"hour": 6, "minute": 48}
